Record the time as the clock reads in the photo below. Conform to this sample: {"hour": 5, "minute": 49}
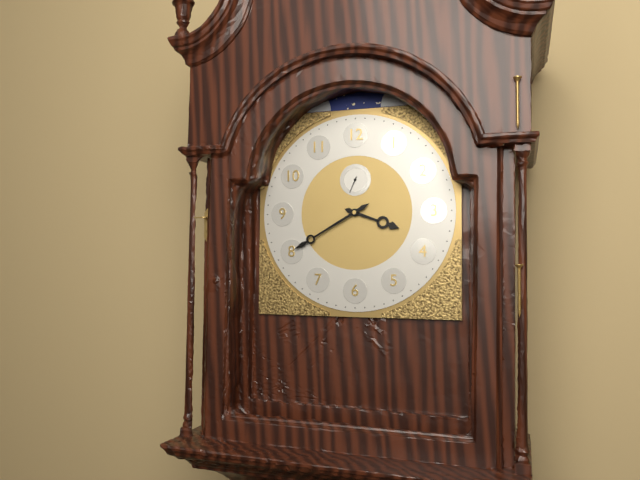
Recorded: {"hour": 3, "minute": 40}
